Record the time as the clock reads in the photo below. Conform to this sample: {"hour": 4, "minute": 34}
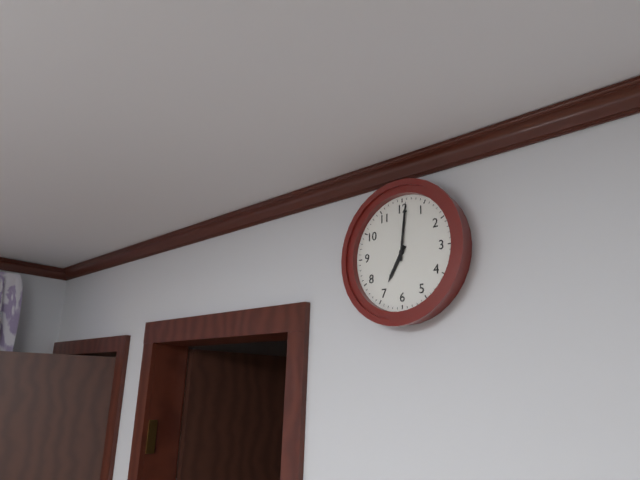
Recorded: {"hour": 7, "minute": 1}
